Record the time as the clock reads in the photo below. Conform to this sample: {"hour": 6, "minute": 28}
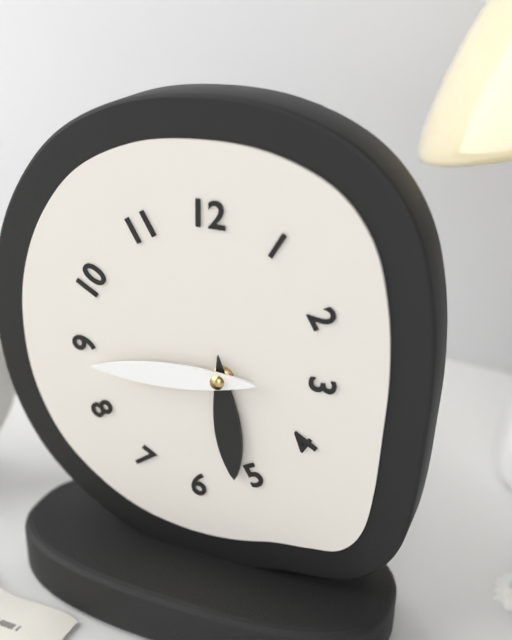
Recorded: {"hour": 5, "minute": 44}
